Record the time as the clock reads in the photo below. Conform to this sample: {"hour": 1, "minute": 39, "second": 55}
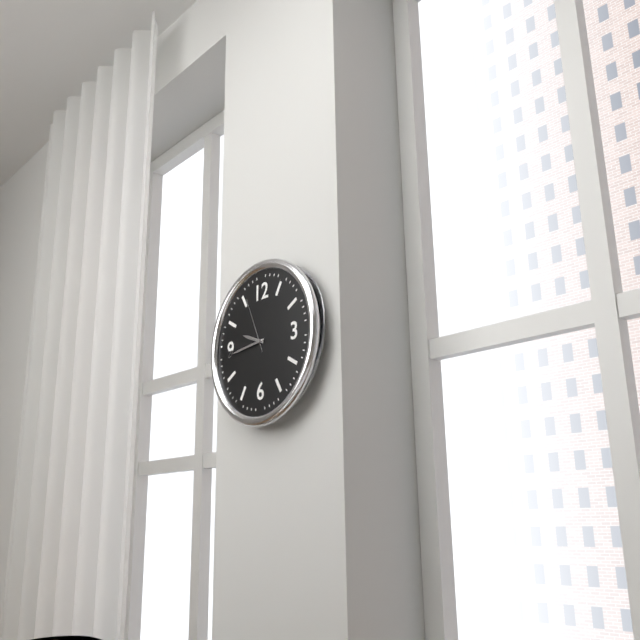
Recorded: {"hour": 9, "minute": 44, "second": 56}
